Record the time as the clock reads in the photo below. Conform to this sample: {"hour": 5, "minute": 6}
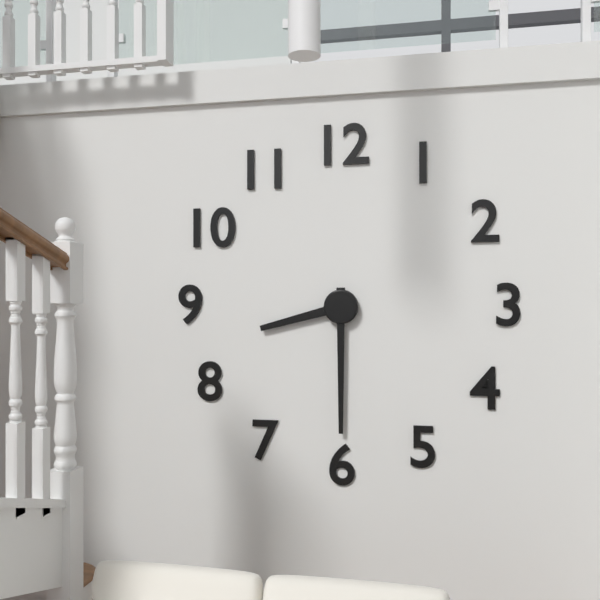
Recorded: {"hour": 8, "minute": 30}
